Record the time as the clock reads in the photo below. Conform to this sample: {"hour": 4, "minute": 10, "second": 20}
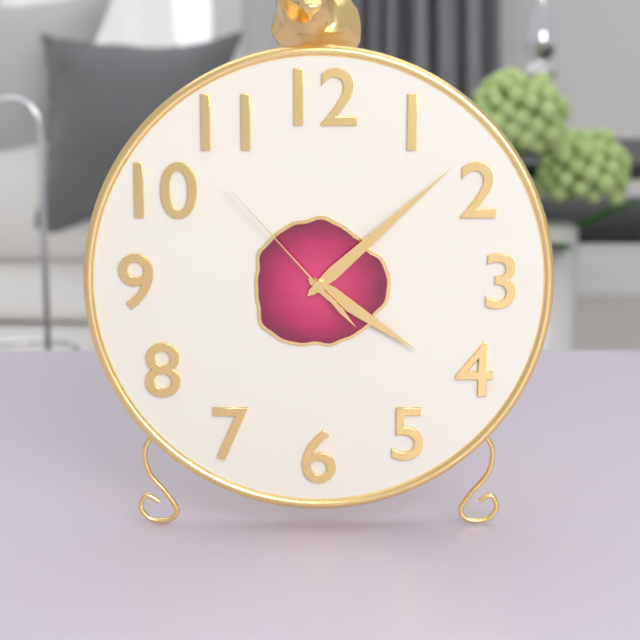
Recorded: {"hour": 4, "minute": 8, "second": 53}
